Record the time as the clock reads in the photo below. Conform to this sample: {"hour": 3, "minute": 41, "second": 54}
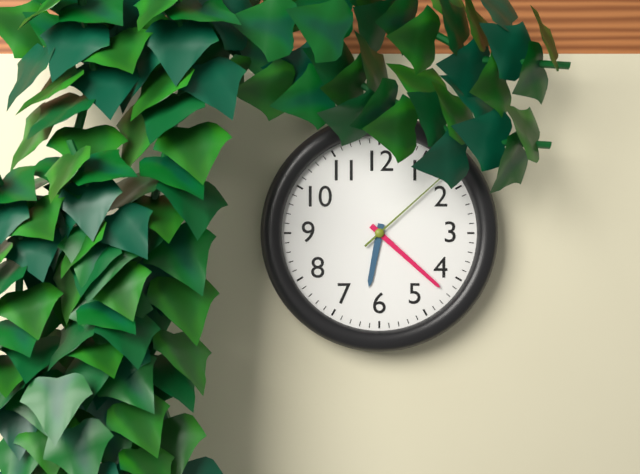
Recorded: {"hour": 6, "minute": 22, "second": 8}
